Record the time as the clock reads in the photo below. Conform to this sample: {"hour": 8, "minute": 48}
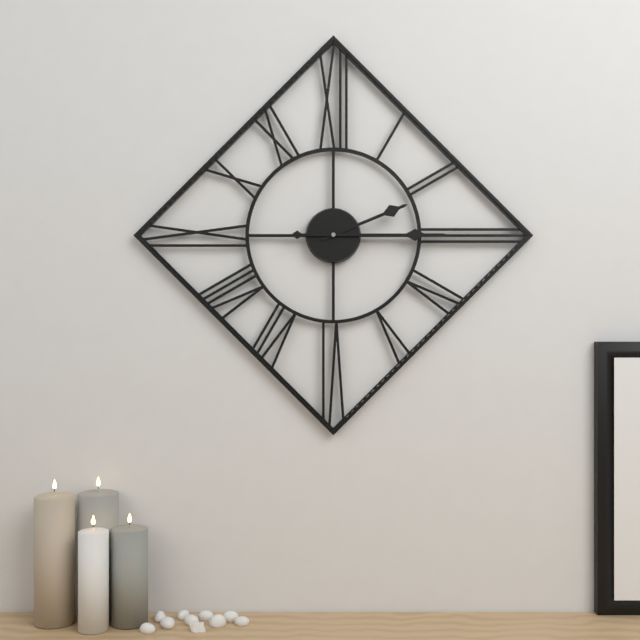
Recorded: {"hour": 2, "minute": 15}
